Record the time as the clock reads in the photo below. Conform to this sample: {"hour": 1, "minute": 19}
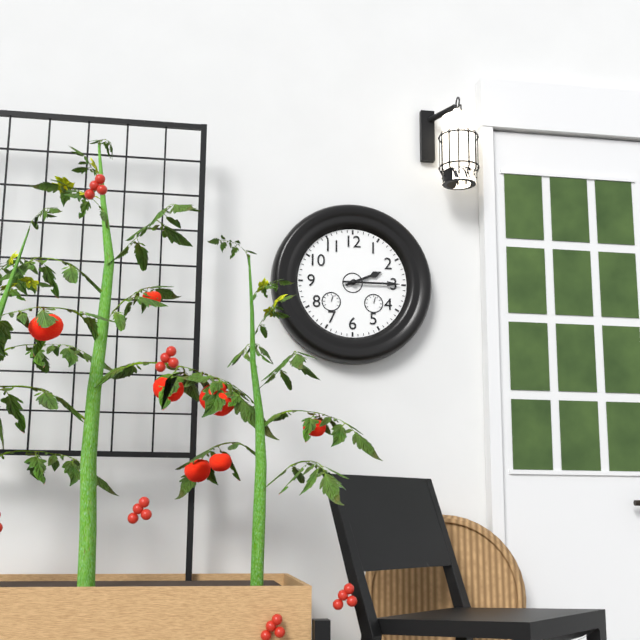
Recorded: {"hour": 2, "minute": 15}
